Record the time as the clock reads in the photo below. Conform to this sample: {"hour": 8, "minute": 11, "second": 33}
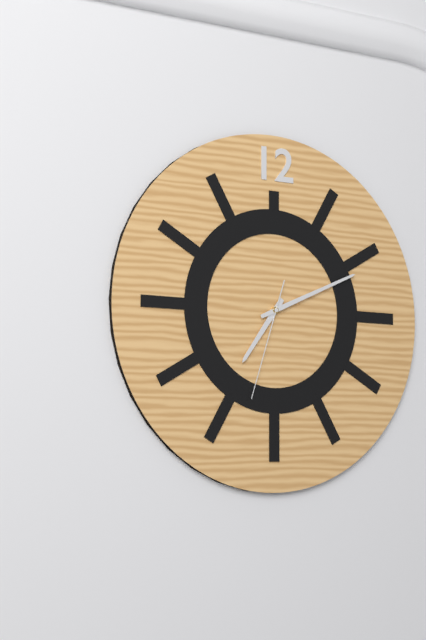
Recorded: {"hour": 7, "minute": 11, "second": 33}
